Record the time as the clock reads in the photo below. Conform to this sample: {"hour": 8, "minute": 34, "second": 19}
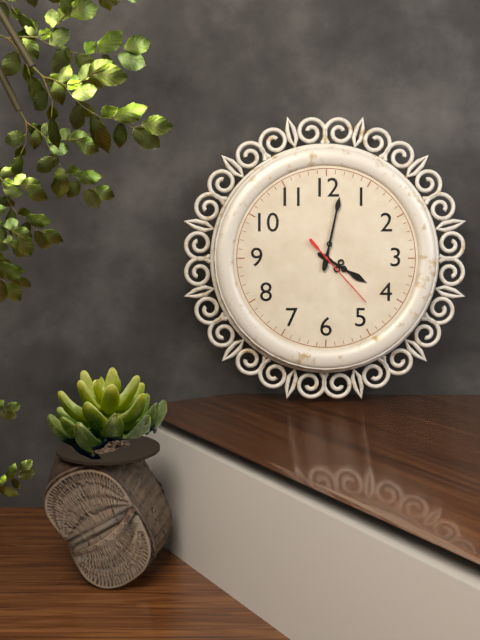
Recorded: {"hour": 4, "minute": 2, "second": 23}
